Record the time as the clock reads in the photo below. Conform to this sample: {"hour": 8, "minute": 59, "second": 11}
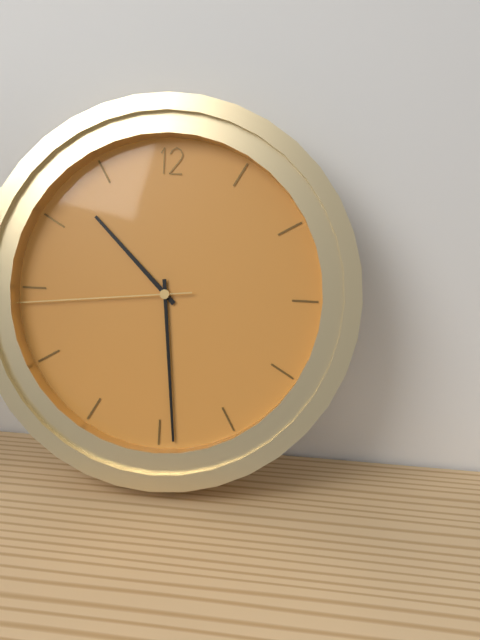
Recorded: {"hour": 10, "minute": 29, "second": 44}
